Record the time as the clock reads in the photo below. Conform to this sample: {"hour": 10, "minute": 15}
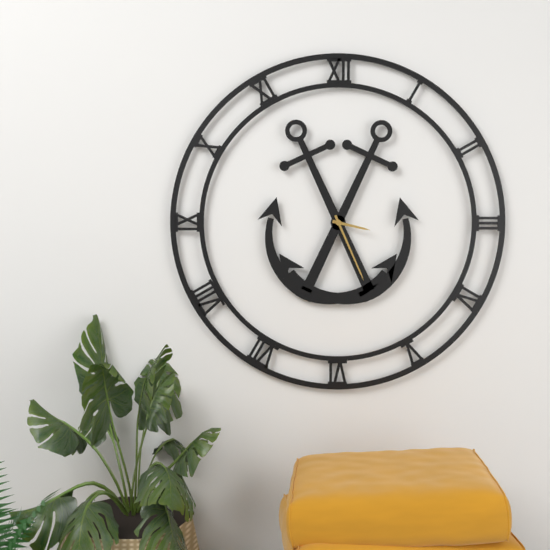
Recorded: {"hour": 3, "minute": 26}
